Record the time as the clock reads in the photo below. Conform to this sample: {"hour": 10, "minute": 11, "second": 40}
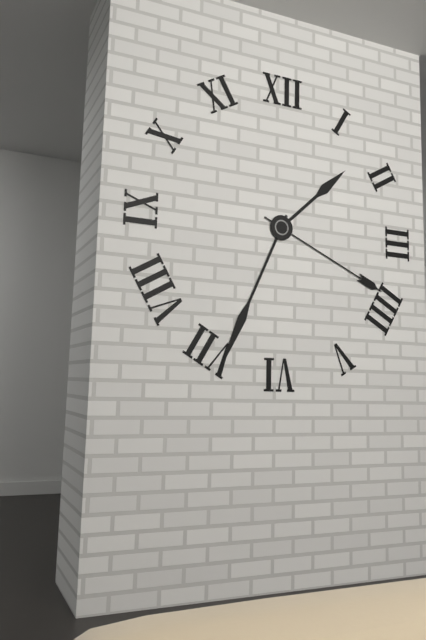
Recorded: {"hour": 1, "minute": 34, "second": 19}
